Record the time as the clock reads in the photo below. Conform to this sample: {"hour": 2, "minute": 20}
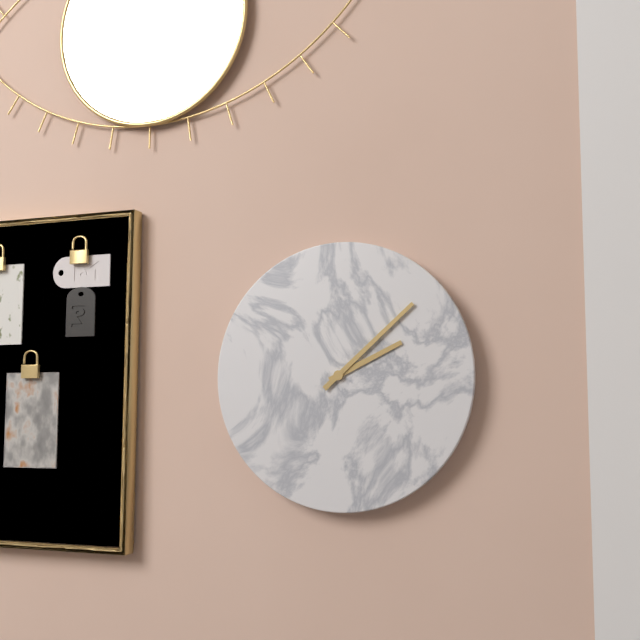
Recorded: {"hour": 2, "minute": 8}
